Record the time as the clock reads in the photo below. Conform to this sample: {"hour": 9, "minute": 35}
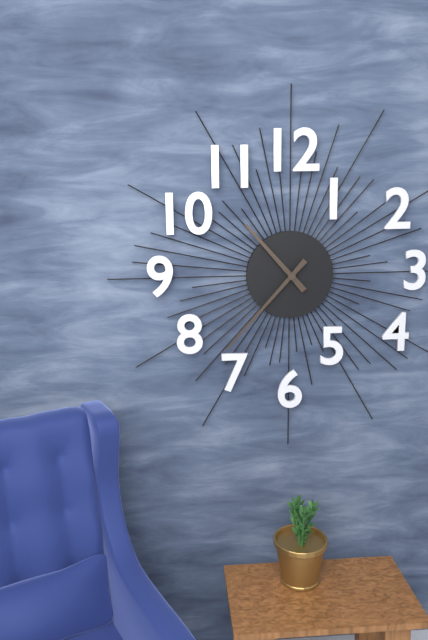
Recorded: {"hour": 10, "minute": 37}
